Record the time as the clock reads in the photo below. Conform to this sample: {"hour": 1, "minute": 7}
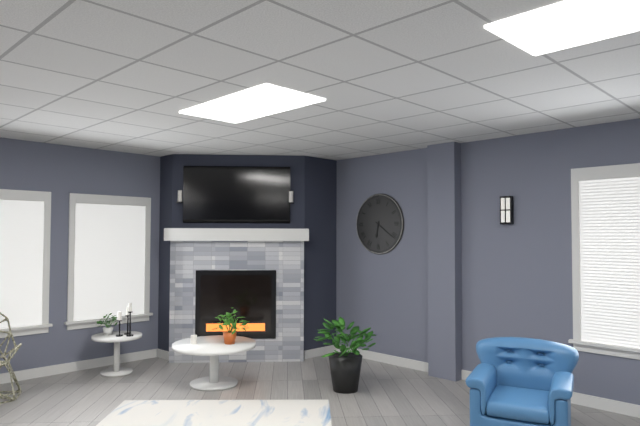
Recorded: {"hour": 6, "minute": 21}
